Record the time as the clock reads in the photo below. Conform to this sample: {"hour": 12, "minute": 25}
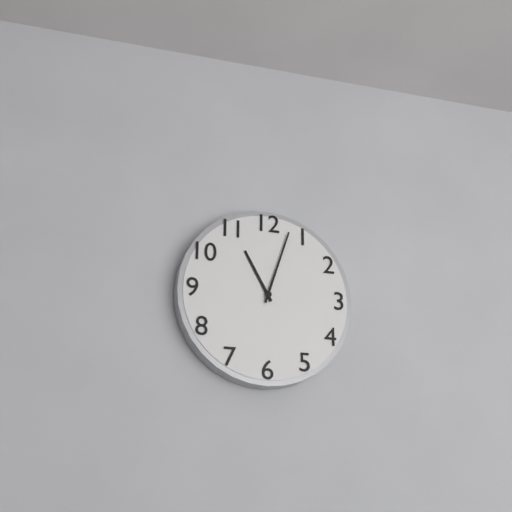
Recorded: {"hour": 11, "minute": 3}
